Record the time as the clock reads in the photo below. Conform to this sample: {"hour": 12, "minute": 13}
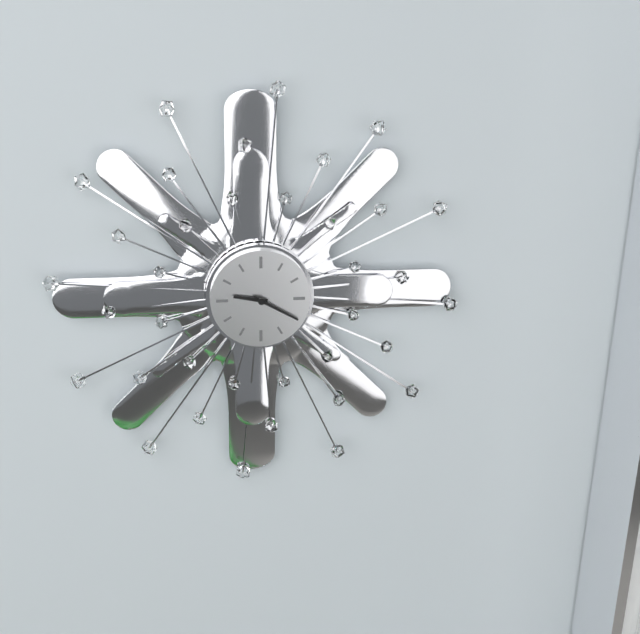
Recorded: {"hour": 9, "minute": 20}
